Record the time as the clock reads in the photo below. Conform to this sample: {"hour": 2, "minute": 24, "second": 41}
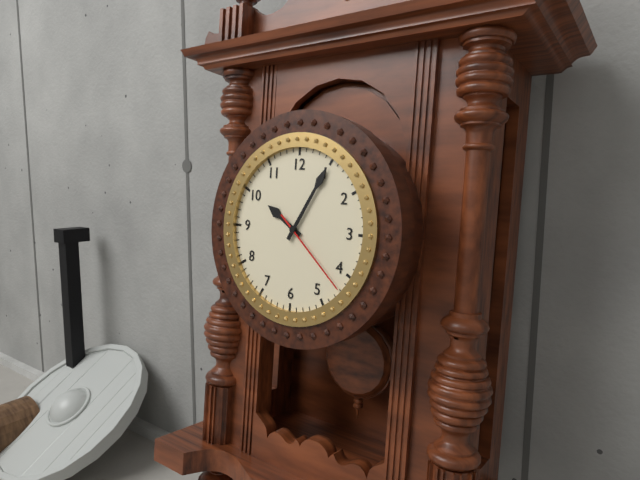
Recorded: {"hour": 10, "minute": 5, "second": 22}
